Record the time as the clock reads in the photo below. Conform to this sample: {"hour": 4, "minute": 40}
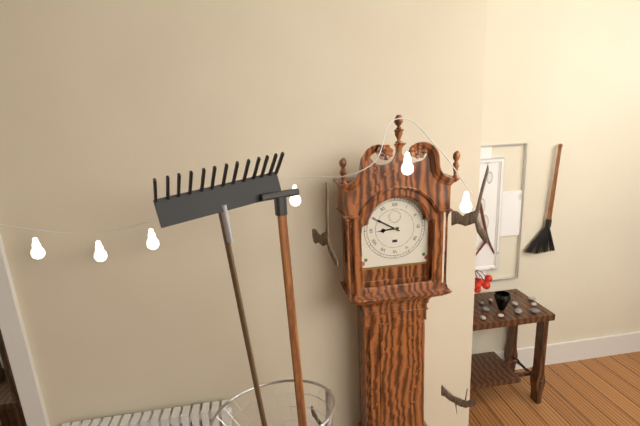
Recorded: {"hour": 8, "minute": 50}
